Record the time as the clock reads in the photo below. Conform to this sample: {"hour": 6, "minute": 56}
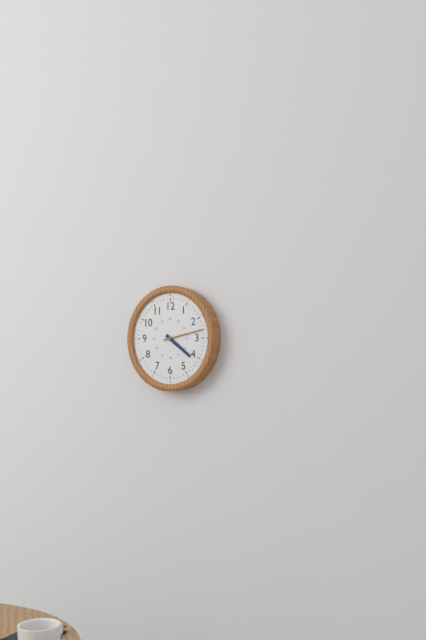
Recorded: {"hour": 4, "minute": 13}
